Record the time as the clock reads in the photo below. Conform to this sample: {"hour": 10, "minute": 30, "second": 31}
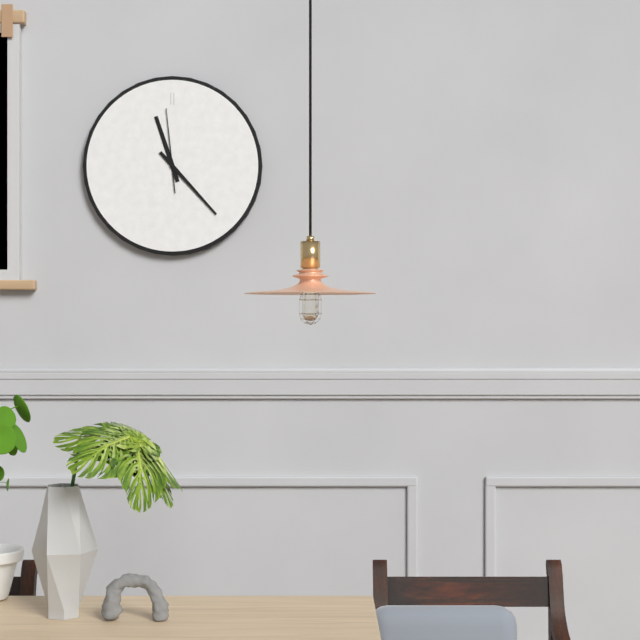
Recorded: {"hour": 11, "minute": 23, "second": 59}
